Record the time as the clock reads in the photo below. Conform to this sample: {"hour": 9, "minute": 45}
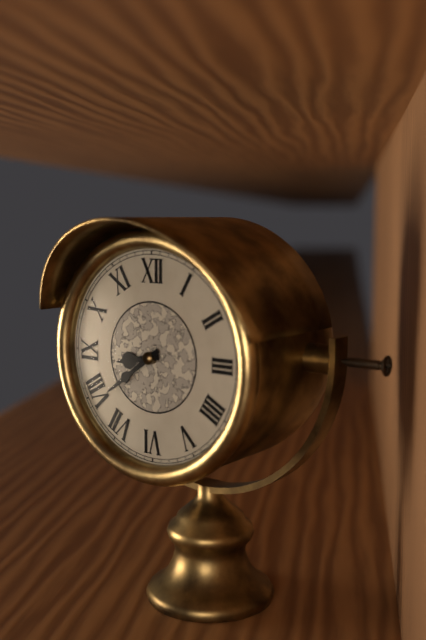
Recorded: {"hour": 8, "minute": 39}
